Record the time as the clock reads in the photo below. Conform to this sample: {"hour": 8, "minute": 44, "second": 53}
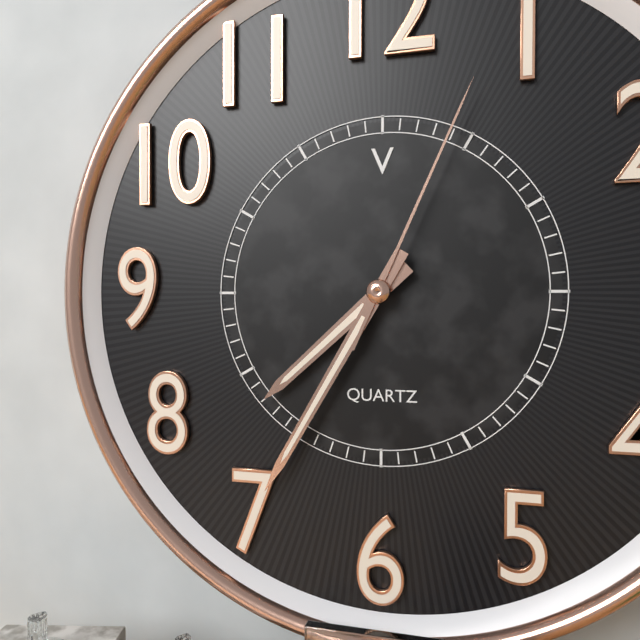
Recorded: {"hour": 7, "minute": 35, "second": 4}
